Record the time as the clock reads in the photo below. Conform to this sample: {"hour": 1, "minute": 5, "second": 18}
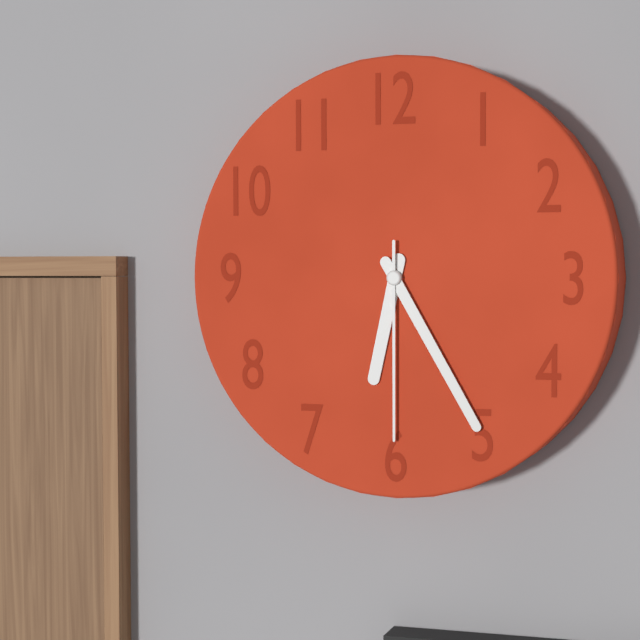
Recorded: {"hour": 6, "minute": 25, "second": 30}
